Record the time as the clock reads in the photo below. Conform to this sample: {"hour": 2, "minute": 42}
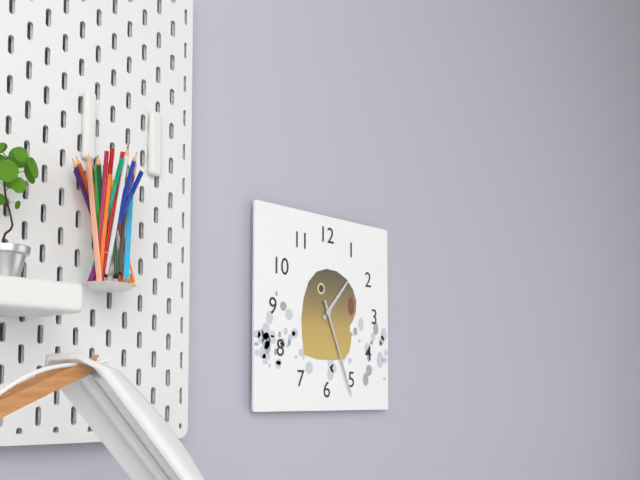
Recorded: {"hour": 1, "minute": 26}
